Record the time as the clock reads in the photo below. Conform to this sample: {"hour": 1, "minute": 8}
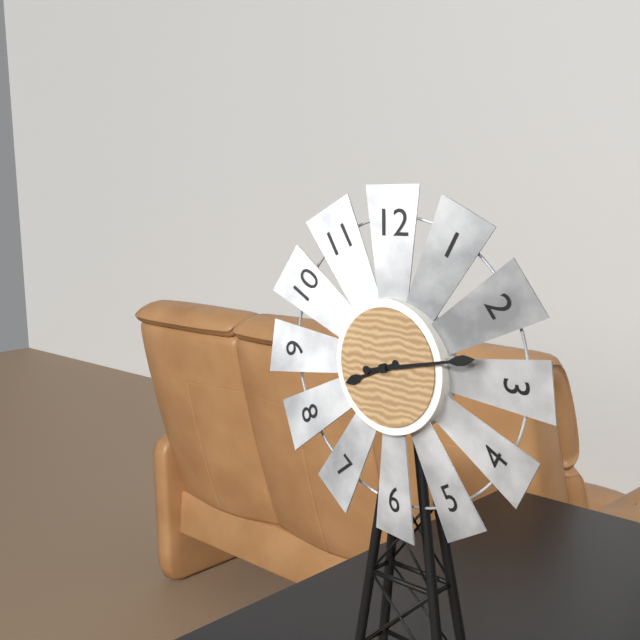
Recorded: {"hour": 8, "minute": 13}
